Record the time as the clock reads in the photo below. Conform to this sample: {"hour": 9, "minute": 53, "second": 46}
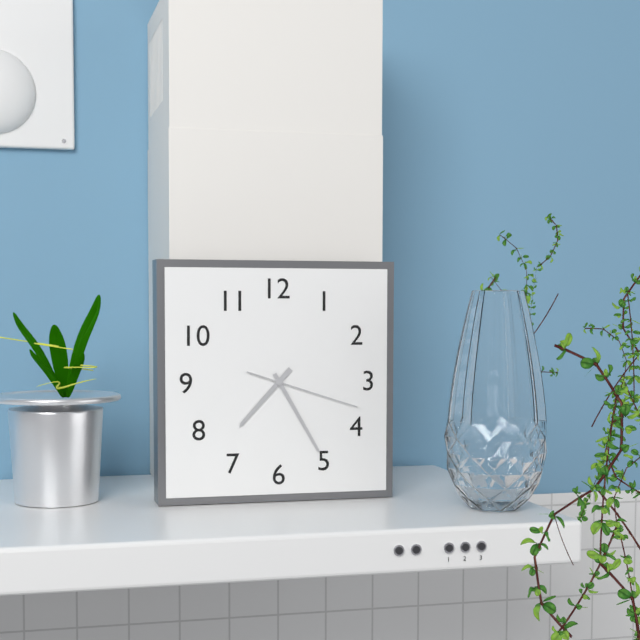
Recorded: {"hour": 7, "minute": 25, "second": 18}
